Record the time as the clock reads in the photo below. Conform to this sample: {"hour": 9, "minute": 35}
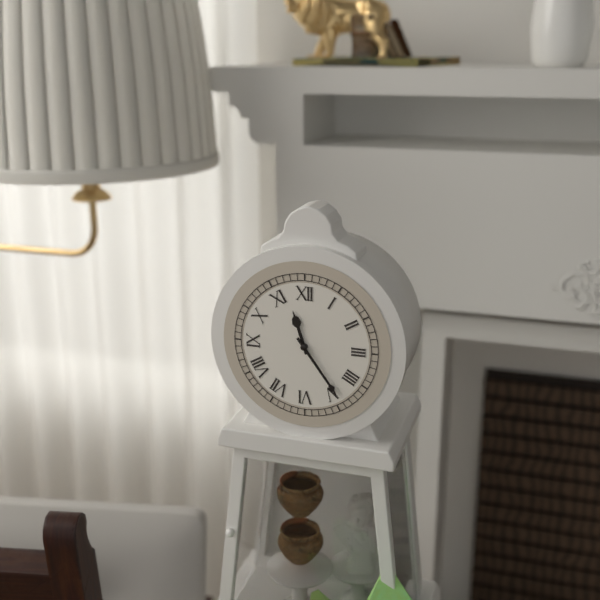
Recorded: {"hour": 11, "minute": 24}
